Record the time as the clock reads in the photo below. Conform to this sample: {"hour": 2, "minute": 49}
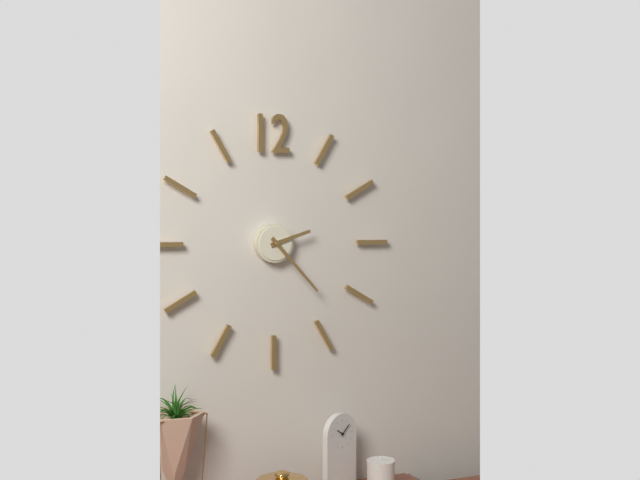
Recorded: {"hour": 2, "minute": 23}
